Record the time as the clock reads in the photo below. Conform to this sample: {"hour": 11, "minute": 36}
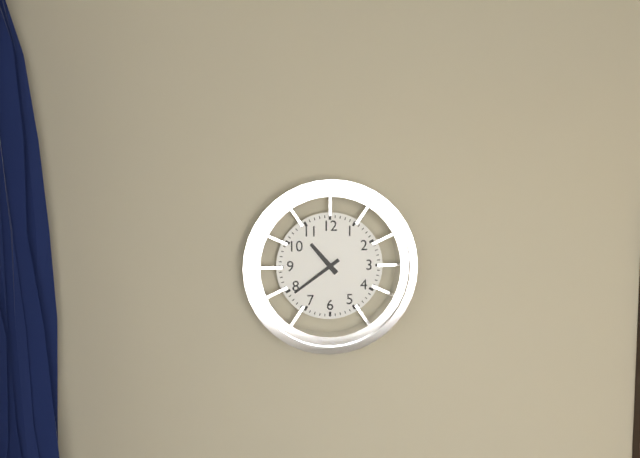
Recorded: {"hour": 10, "minute": 39}
